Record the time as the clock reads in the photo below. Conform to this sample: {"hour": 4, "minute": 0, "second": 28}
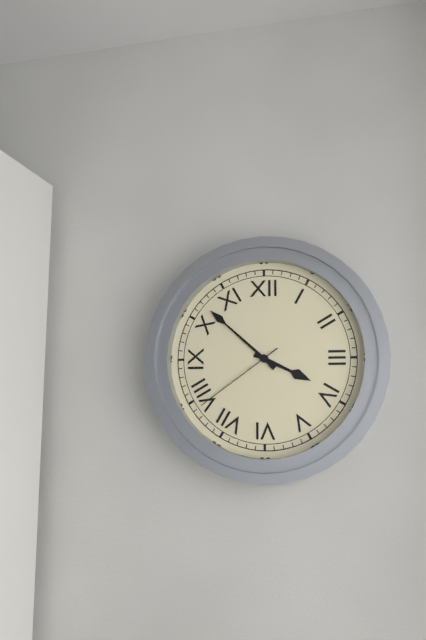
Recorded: {"hour": 3, "minute": 52, "second": 39}
